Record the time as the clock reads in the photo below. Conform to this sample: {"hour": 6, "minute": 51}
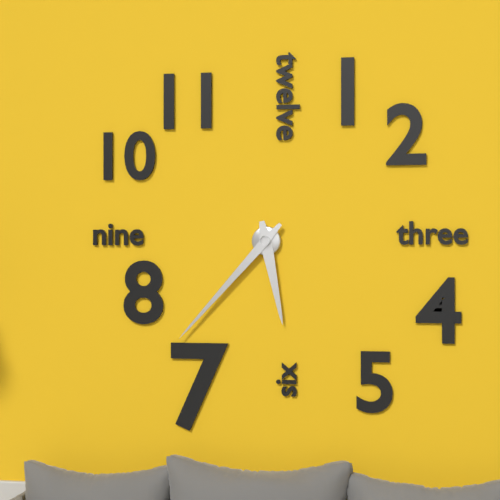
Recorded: {"hour": 5, "minute": 37}
